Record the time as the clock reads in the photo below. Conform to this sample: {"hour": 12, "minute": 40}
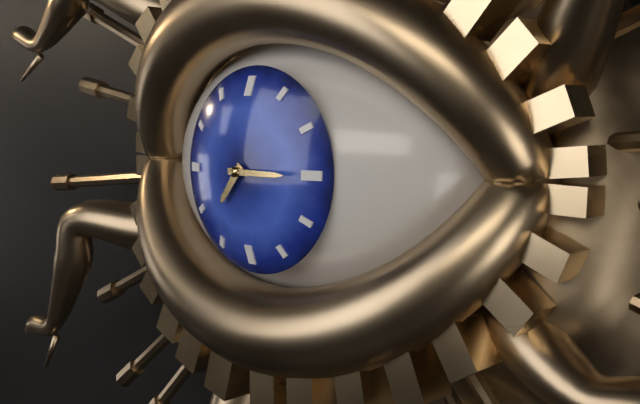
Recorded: {"hour": 7, "minute": 15}
